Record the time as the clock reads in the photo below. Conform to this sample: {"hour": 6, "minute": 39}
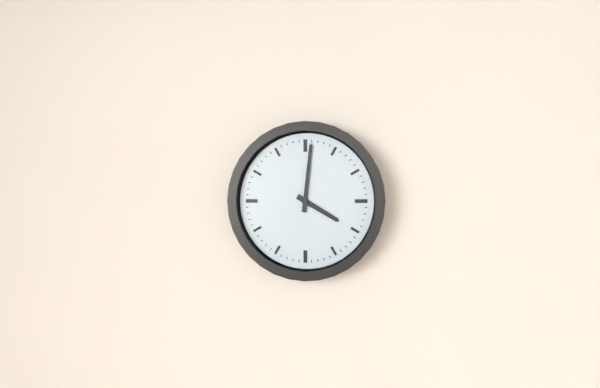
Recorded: {"hour": 4, "minute": 1}
